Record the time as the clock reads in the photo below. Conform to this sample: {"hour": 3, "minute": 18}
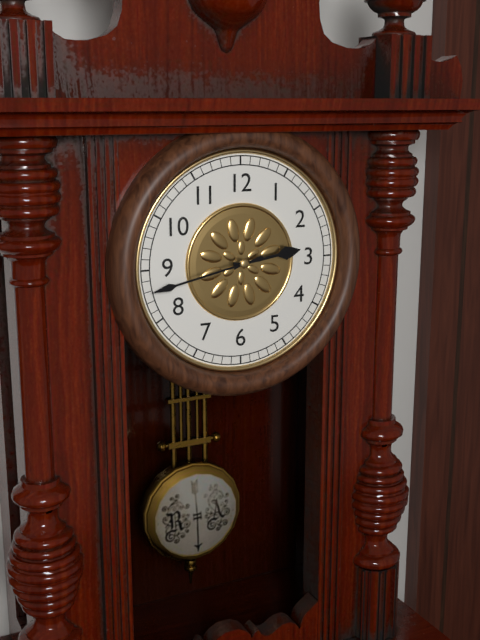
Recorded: {"hour": 2, "minute": 43}
